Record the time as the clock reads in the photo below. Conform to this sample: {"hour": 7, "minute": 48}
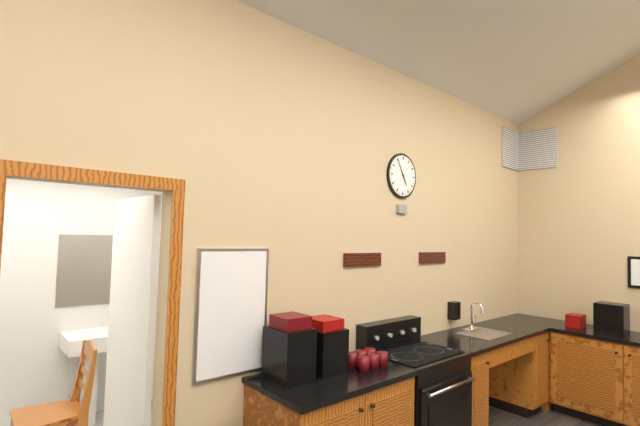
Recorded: {"hour": 4, "minute": 55}
